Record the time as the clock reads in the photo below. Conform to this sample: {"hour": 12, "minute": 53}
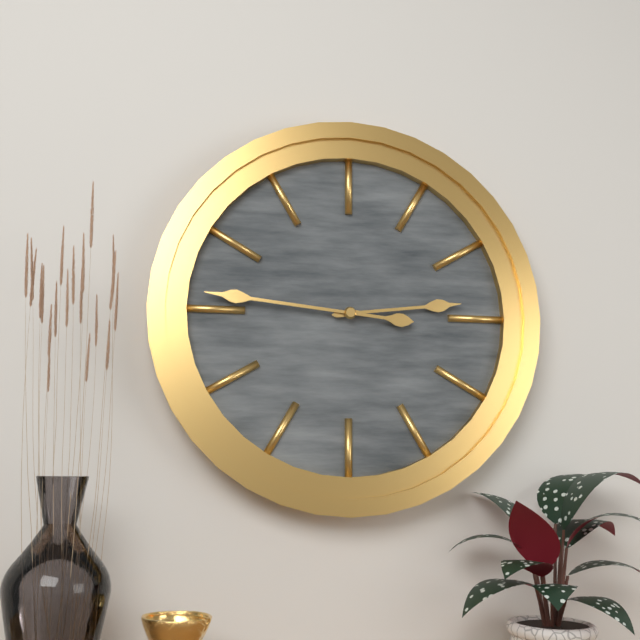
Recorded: {"hour": 2, "minute": 46}
